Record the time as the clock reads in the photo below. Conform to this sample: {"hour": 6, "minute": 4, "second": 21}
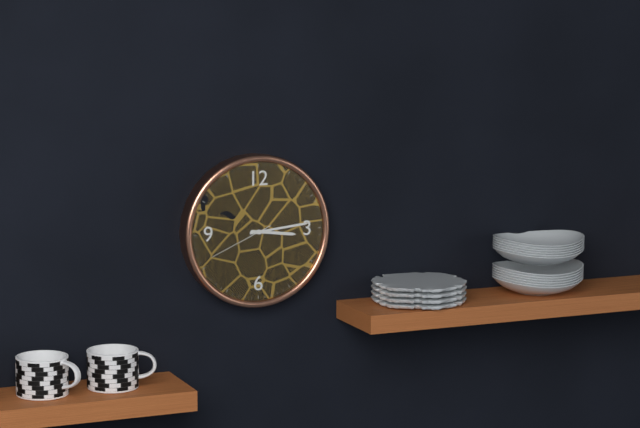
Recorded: {"hour": 3, "minute": 14, "second": 41}
